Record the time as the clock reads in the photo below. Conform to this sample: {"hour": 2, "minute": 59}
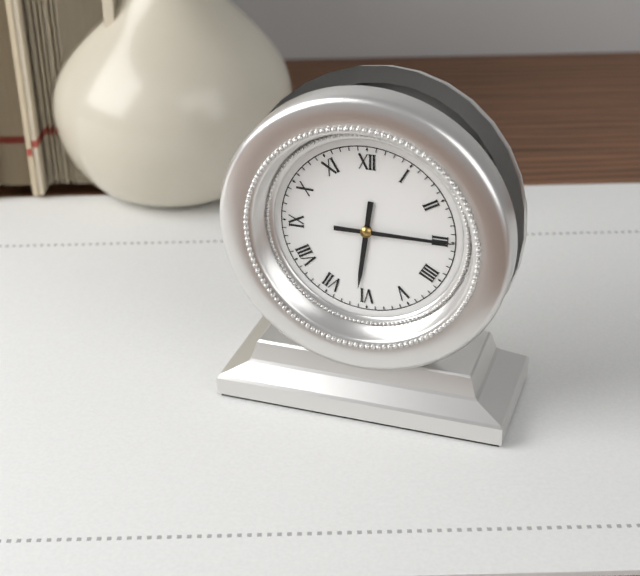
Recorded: {"hour": 6, "minute": 15}
